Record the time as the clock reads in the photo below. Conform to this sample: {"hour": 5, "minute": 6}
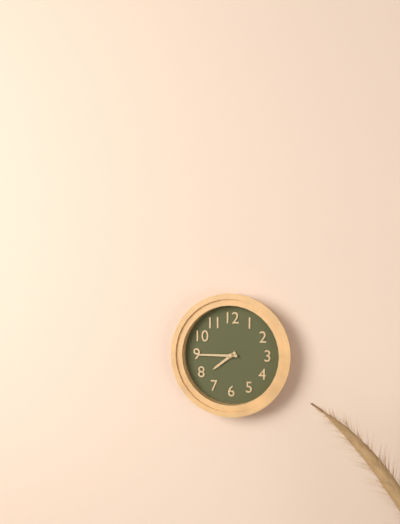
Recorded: {"hour": 7, "minute": 45}
